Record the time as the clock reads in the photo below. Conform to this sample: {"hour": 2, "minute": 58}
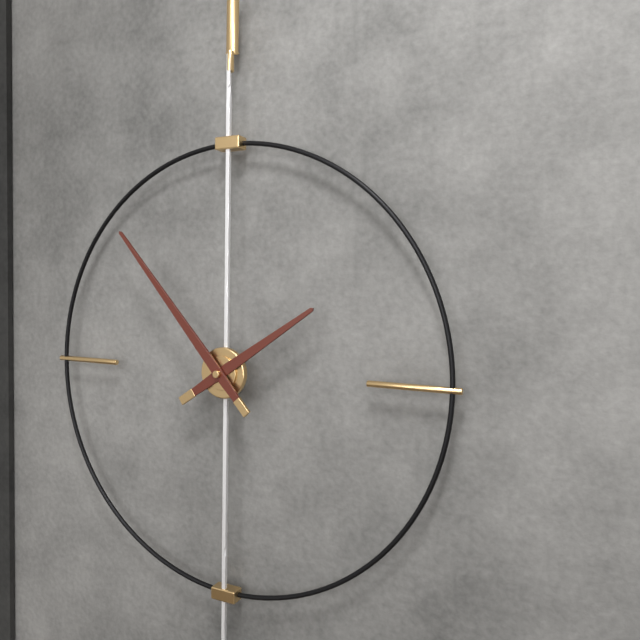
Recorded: {"hour": 1, "minute": 53}
